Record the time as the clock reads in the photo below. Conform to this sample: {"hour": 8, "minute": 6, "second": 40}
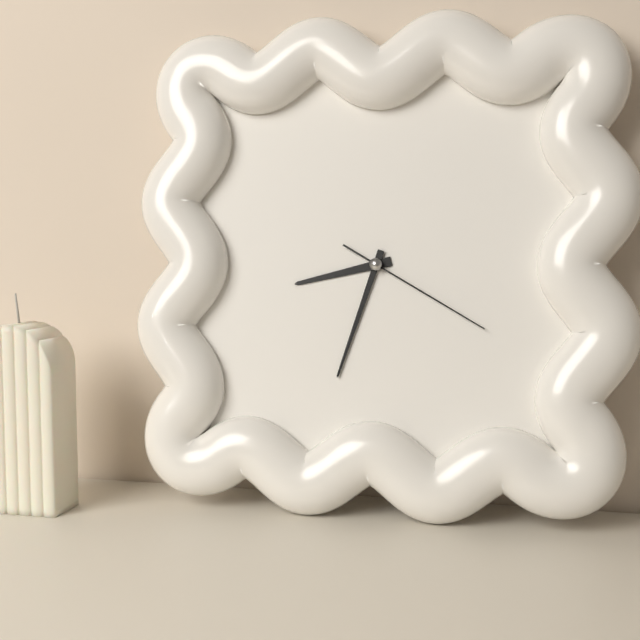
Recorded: {"hour": 8, "minute": 33, "second": 20}
